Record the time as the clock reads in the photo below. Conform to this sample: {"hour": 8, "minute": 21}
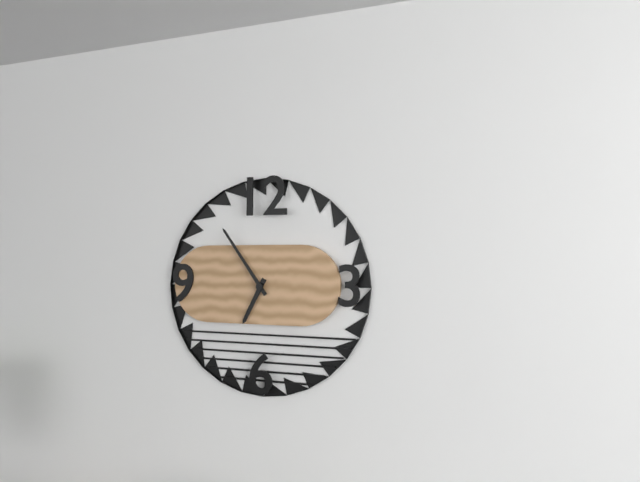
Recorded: {"hour": 6, "minute": 54}
